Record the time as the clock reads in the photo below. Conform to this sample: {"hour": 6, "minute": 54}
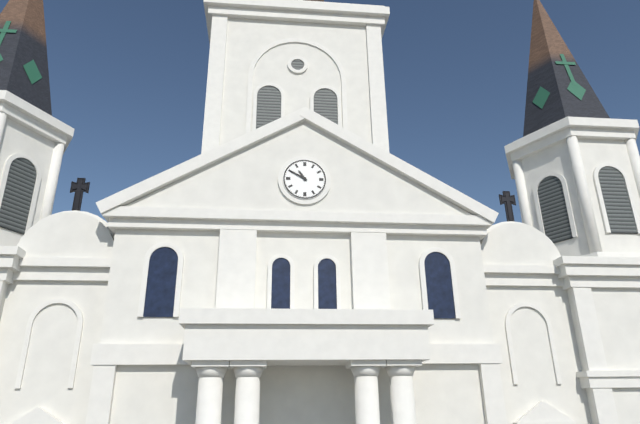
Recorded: {"hour": 10, "minute": 50}
